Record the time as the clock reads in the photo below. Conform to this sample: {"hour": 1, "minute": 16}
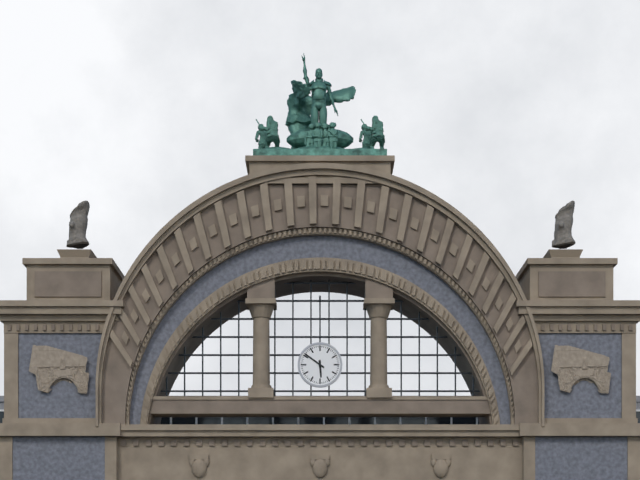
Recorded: {"hour": 5, "minute": 51}
